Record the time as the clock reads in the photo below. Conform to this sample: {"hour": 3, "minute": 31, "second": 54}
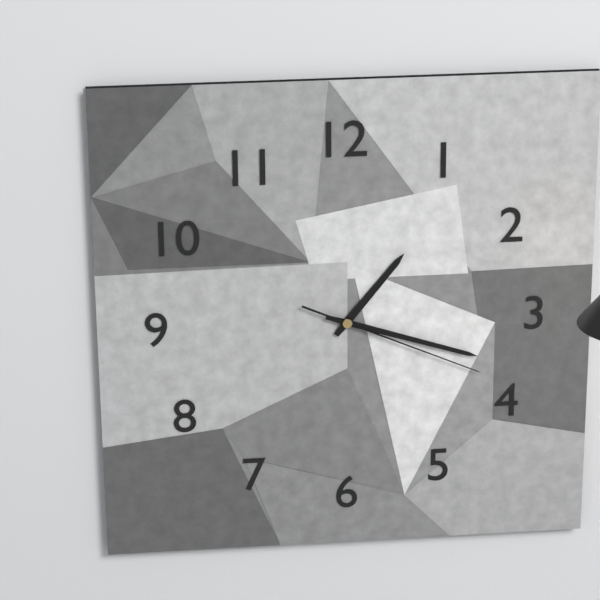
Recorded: {"hour": 1, "minute": 18, "second": 19}
